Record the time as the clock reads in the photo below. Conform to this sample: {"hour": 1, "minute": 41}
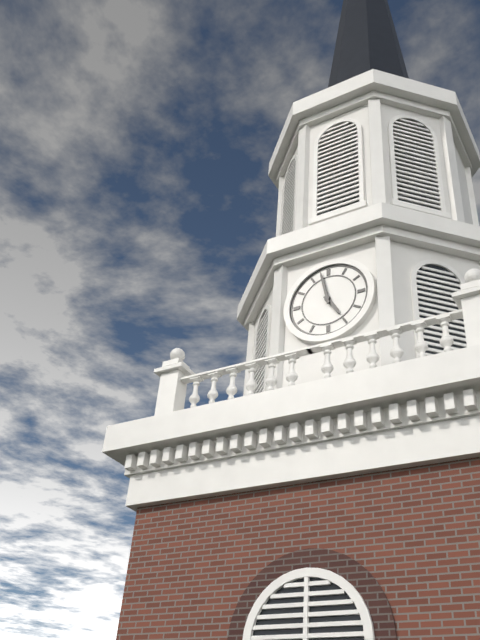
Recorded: {"hour": 4, "minute": 58}
